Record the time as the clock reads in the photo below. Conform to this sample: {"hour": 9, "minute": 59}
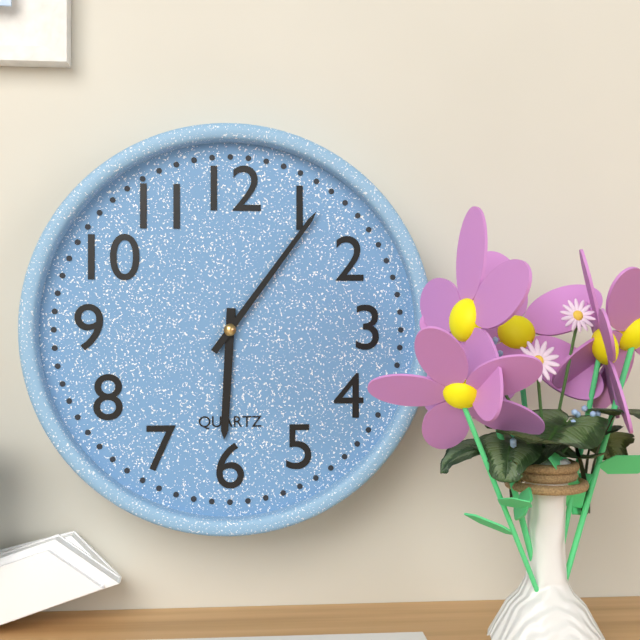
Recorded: {"hour": 6, "minute": 6}
